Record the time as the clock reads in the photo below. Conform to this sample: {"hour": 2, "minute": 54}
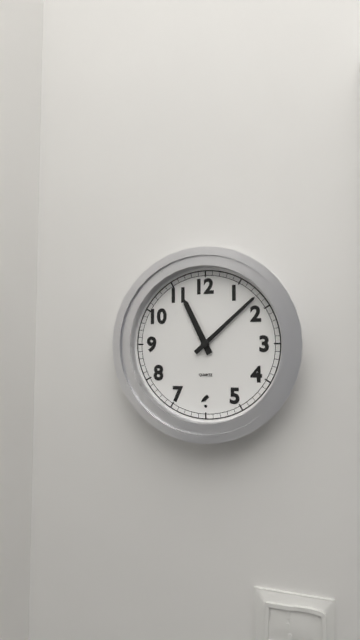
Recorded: {"hour": 11, "minute": 8}
